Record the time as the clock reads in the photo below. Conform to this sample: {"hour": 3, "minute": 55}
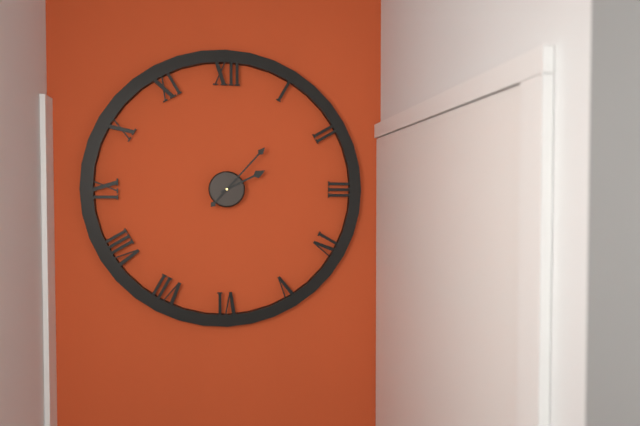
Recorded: {"hour": 2, "minute": 7}
